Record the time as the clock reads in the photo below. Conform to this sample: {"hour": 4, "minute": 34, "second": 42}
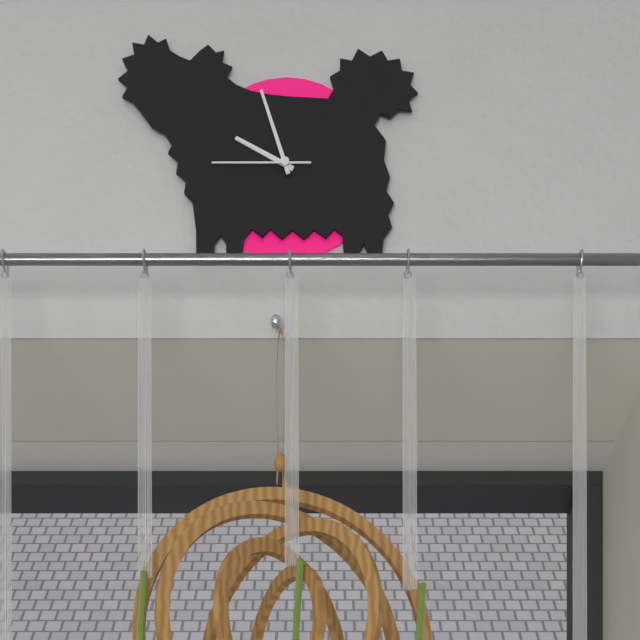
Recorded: {"hour": 9, "minute": 57, "second": 45}
